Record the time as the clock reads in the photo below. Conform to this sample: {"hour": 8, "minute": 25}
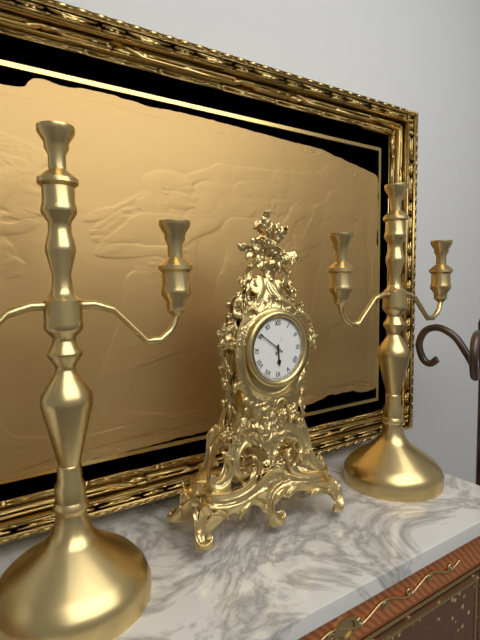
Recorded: {"hour": 5, "minute": 51}
